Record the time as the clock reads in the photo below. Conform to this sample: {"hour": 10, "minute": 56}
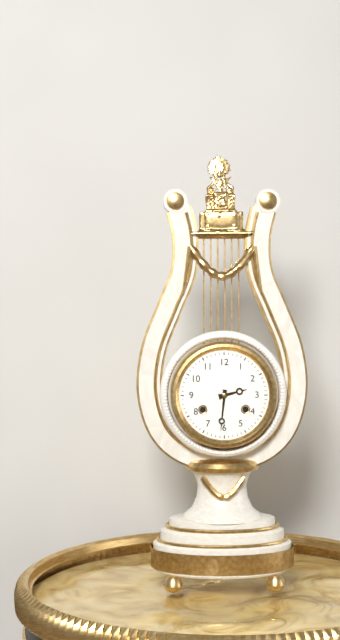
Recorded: {"hour": 2, "minute": 31}
